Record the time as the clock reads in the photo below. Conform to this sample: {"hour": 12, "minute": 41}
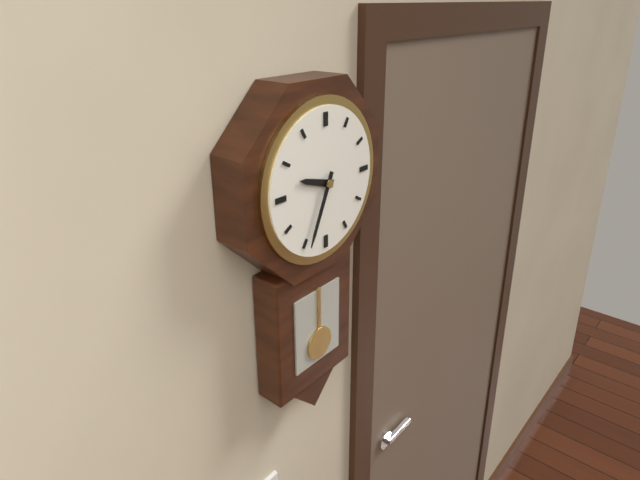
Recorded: {"hour": 9, "minute": 34}
